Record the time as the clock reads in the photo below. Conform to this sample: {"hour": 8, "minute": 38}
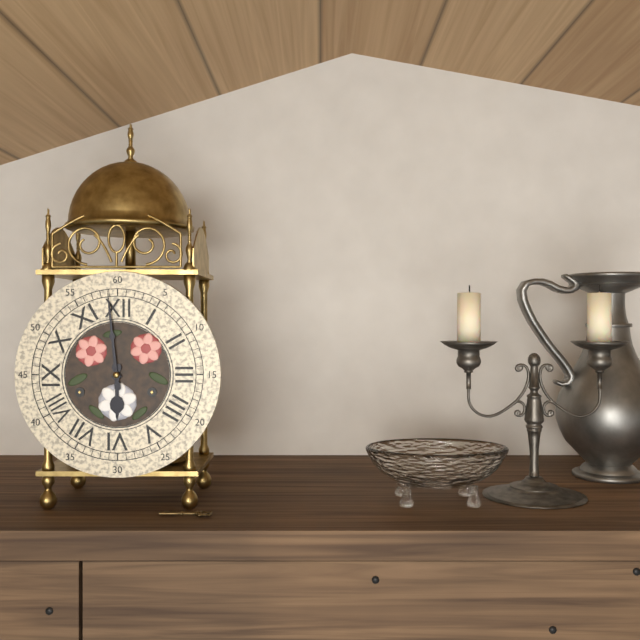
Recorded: {"hour": 5, "minute": 59}
